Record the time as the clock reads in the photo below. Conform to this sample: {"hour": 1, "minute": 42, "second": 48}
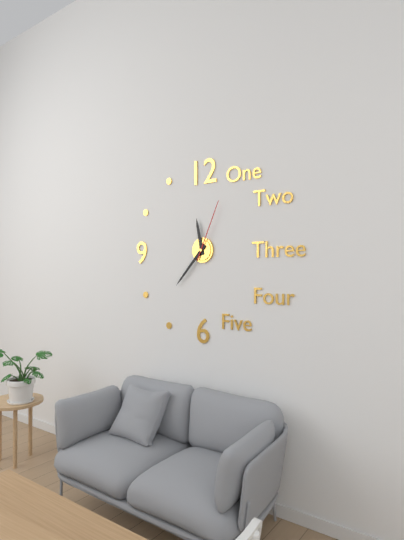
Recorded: {"hour": 11, "minute": 37, "second": 4}
